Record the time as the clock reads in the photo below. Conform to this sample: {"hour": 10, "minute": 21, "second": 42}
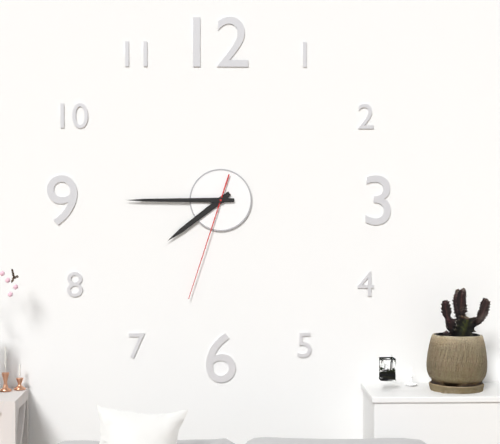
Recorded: {"hour": 7, "minute": 45, "second": 33}
